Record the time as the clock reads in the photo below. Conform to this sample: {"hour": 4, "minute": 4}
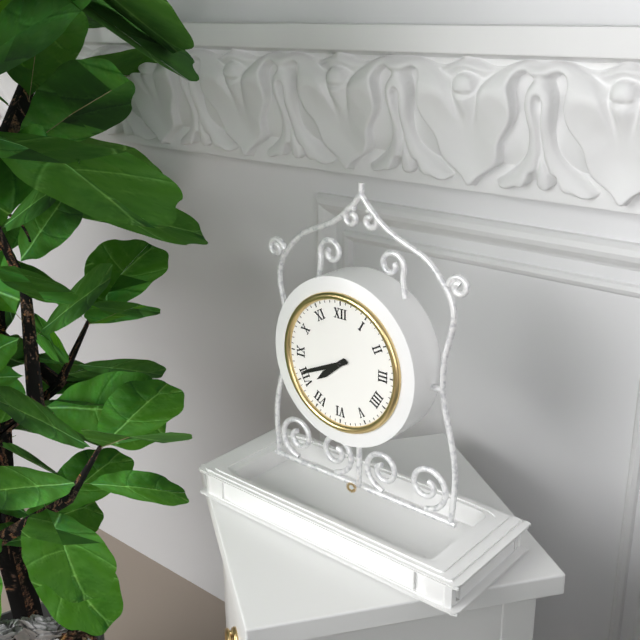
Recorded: {"hour": 7, "minute": 41}
